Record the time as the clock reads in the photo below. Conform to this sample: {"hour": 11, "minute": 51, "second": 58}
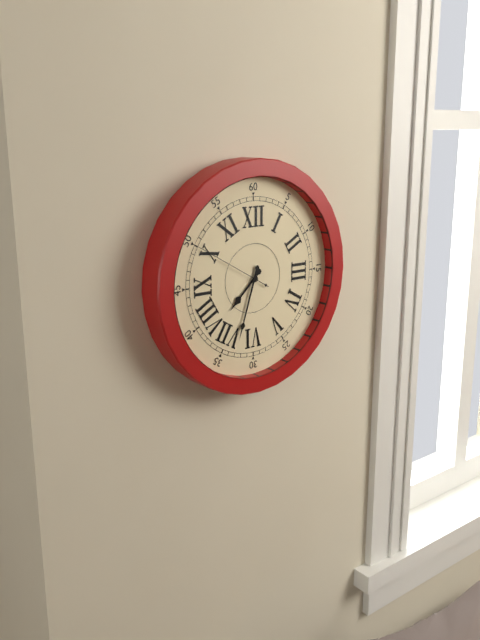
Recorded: {"hour": 7, "minute": 33, "second": 50}
